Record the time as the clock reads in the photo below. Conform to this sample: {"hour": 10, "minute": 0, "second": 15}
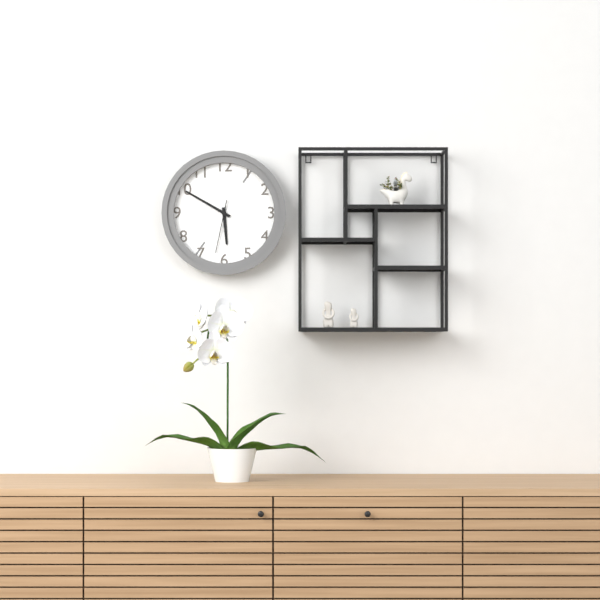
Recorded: {"hour": 5, "minute": 50, "second": 32}
